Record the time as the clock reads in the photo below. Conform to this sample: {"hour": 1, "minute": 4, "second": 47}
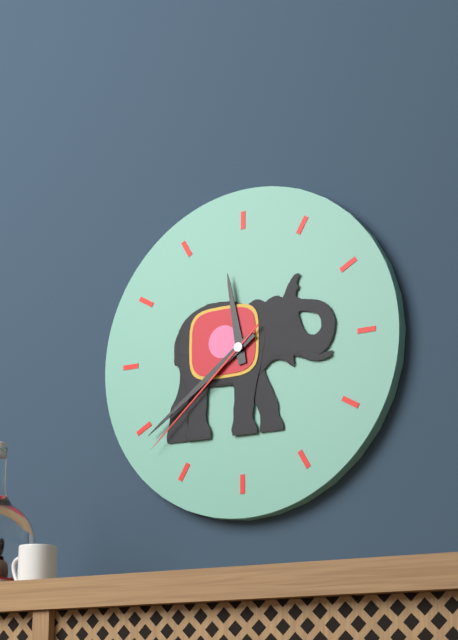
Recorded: {"hour": 11, "minute": 39, "second": 38}
